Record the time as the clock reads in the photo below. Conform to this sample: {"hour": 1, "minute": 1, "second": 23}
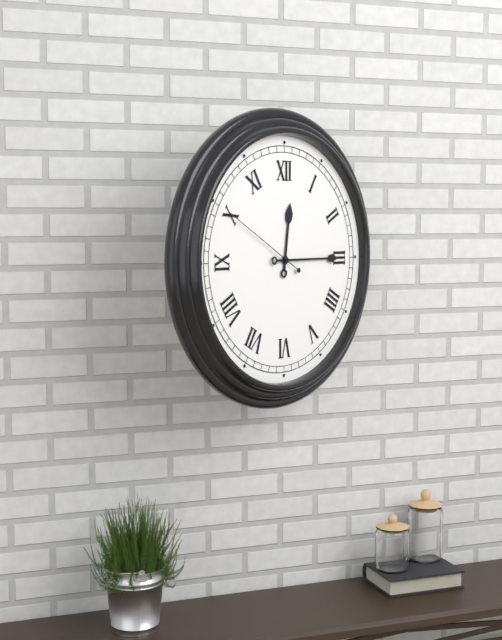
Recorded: {"hour": 12, "minute": 15, "second": 50}
